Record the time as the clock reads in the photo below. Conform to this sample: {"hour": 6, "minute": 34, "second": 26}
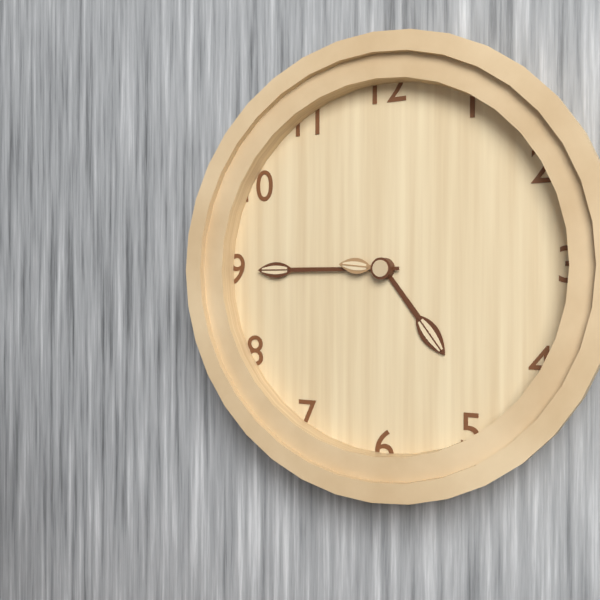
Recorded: {"hour": 4, "minute": 45, "second": 46}
